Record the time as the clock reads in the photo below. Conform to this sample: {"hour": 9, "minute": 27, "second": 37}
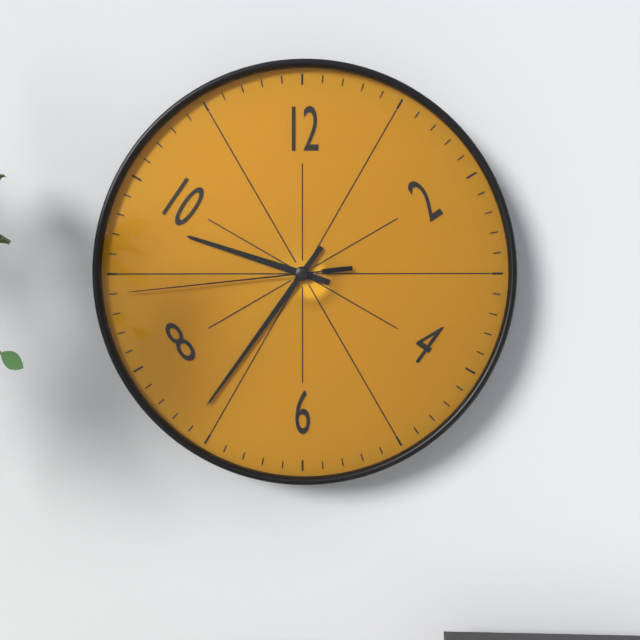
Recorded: {"hour": 9, "minute": 36, "second": 44}
